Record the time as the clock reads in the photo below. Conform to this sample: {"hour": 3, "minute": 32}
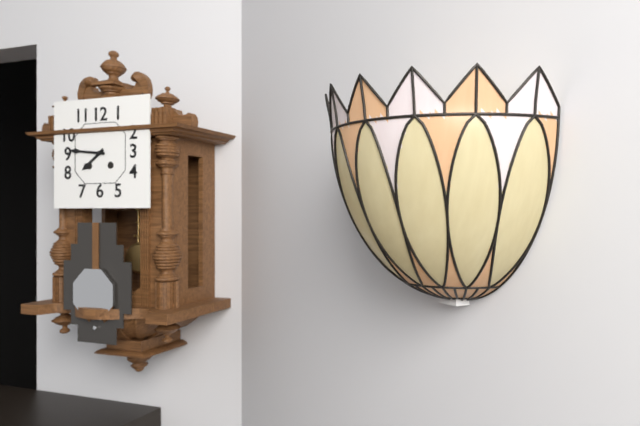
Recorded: {"hour": 7, "minute": 46}
